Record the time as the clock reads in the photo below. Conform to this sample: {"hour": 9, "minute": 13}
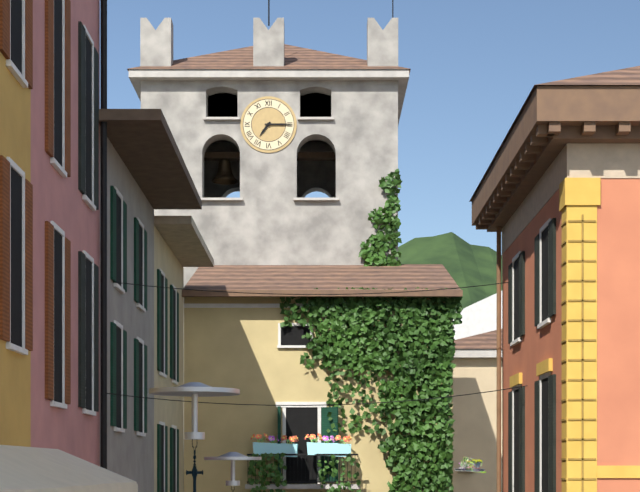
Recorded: {"hour": 7, "minute": 15}
